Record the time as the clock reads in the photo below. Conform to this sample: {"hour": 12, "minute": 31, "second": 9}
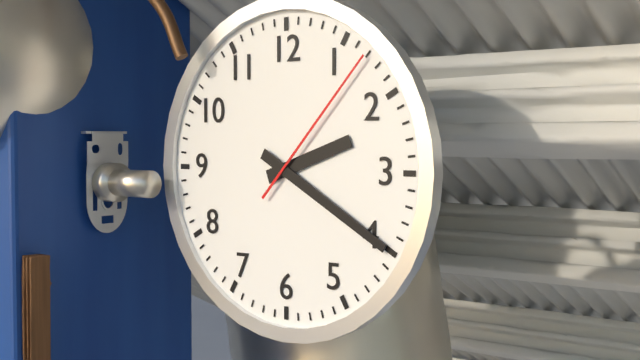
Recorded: {"hour": 2, "minute": 20, "second": 7}
